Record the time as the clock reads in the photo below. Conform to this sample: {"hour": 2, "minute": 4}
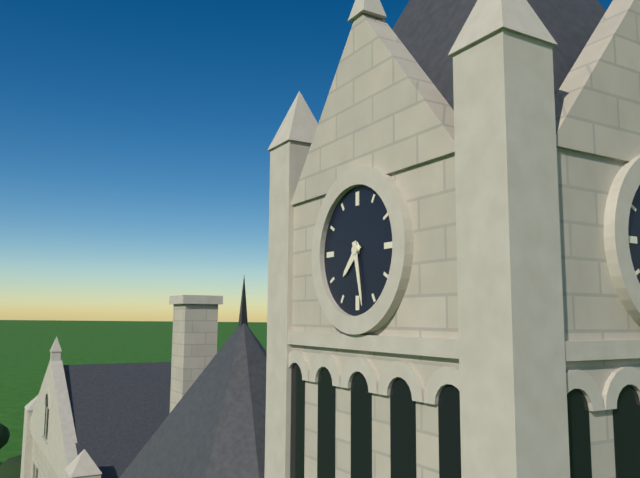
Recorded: {"hour": 7, "minute": 28}
